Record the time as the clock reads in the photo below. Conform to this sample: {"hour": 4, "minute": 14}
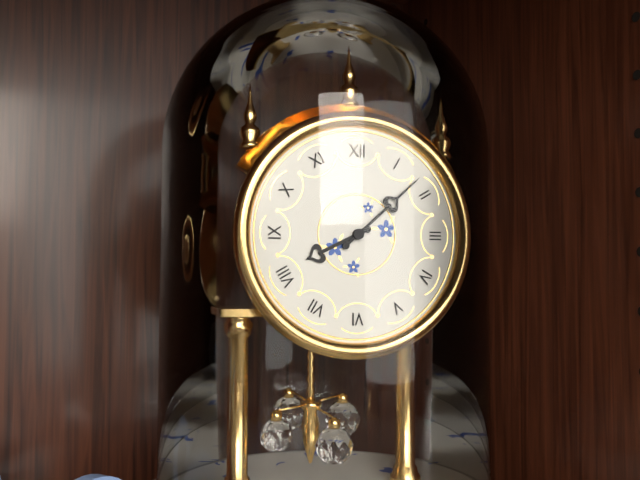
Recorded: {"hour": 8, "minute": 8}
